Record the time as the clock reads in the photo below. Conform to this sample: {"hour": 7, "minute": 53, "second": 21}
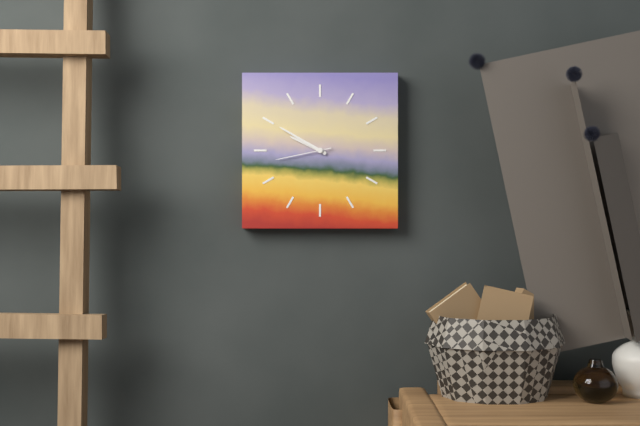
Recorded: {"hour": 9, "minute": 50, "second": 43}
